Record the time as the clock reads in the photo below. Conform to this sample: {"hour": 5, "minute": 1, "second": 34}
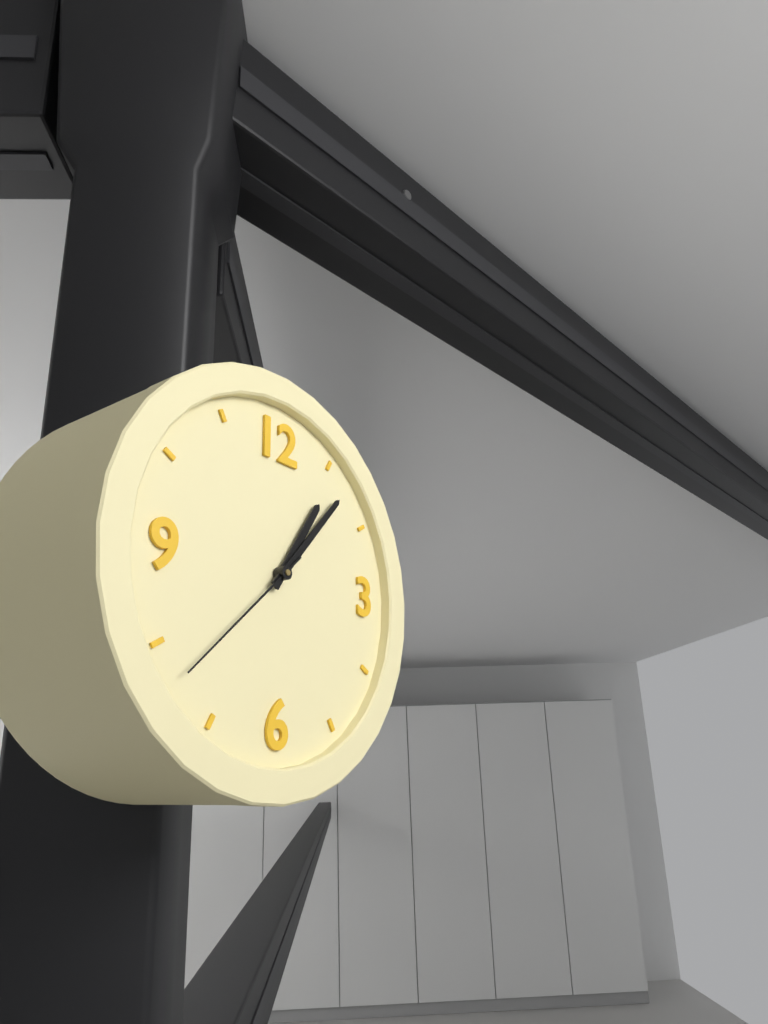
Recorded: {"hour": 1, "minute": 7, "second": 38}
